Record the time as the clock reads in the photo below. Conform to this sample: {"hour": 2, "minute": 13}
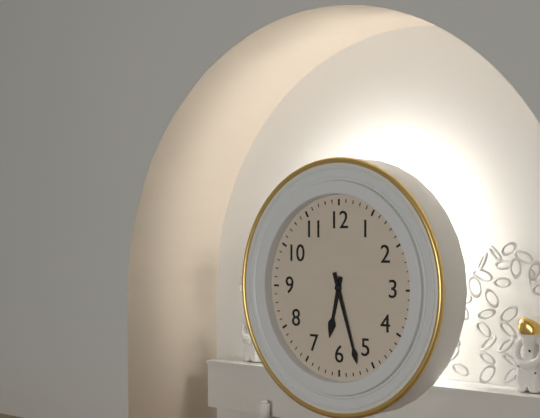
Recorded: {"hour": 6, "minute": 27}
